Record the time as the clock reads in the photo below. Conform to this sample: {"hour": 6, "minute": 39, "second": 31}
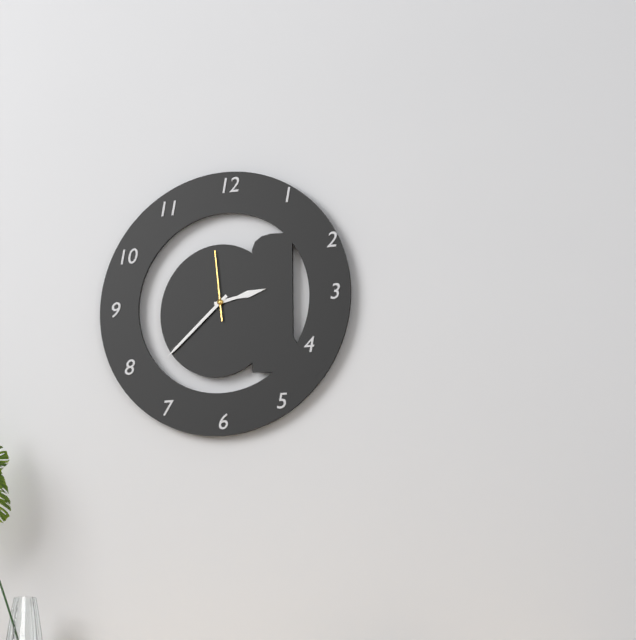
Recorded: {"hour": 2, "minute": 38, "second": 59}
